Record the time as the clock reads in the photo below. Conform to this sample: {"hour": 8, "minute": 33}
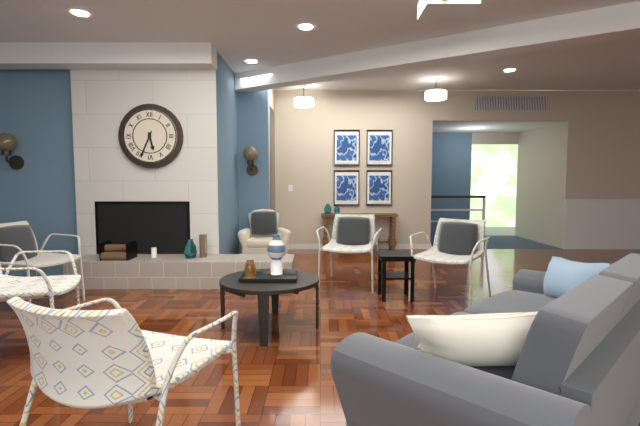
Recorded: {"hour": 5, "minute": 34}
